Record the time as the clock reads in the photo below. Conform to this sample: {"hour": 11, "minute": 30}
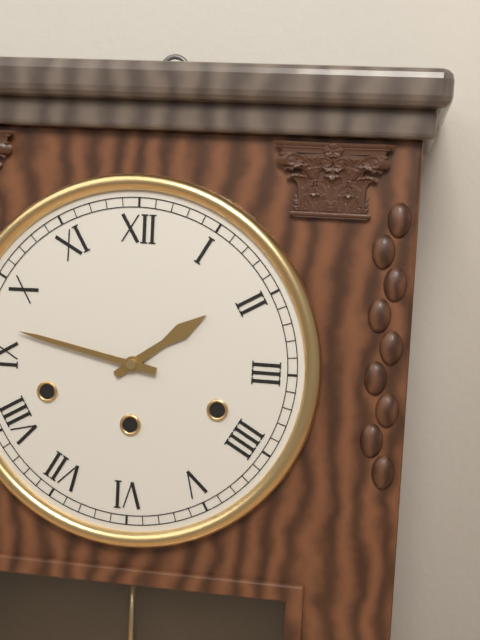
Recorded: {"hour": 1, "minute": 47}
